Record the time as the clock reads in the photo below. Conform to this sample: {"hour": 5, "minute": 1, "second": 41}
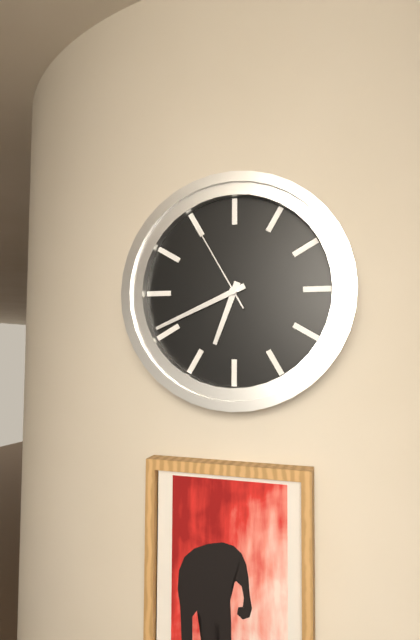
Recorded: {"hour": 6, "minute": 41, "second": 55}
